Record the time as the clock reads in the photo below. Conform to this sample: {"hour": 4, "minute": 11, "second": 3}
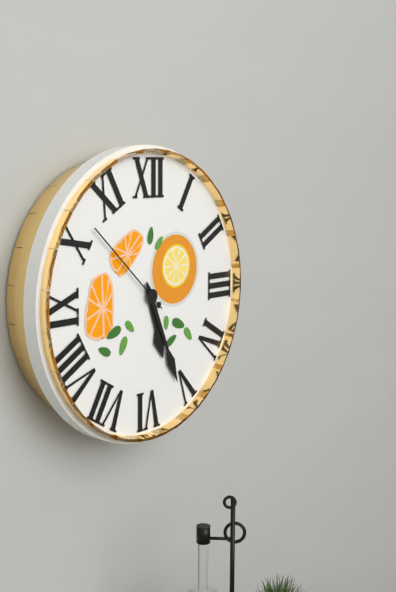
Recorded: {"hour": 5, "minute": 26, "second": 52}
